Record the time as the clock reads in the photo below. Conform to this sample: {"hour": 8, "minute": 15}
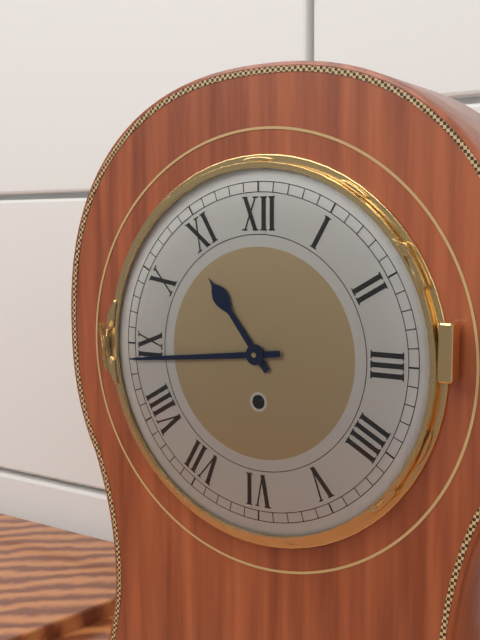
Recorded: {"hour": 10, "minute": 44}
